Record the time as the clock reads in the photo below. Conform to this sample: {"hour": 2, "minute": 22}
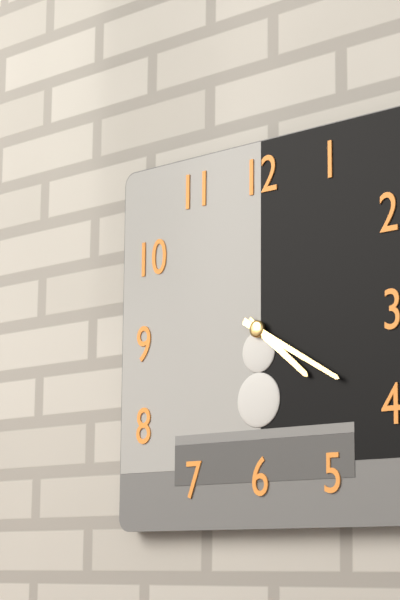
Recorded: {"hour": 4, "minute": 20}
